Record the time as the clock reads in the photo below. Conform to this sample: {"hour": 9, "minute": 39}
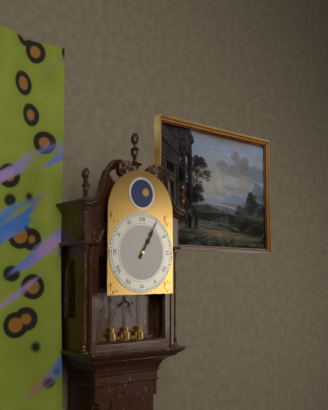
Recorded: {"hour": 1, "minute": 5}
